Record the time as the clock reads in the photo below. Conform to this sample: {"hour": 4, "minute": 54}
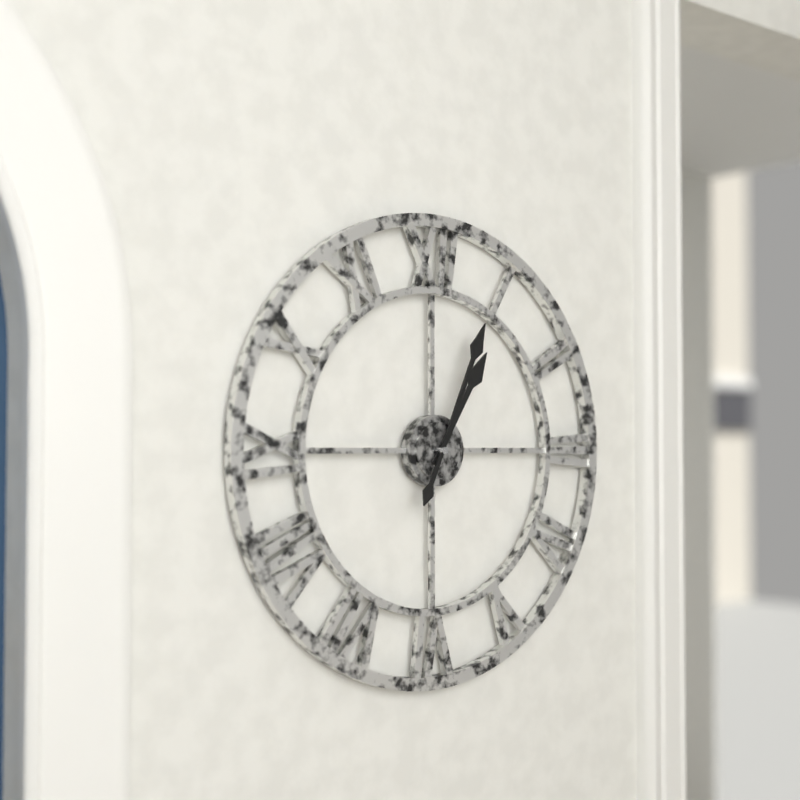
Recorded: {"hour": 1, "minute": 4}
